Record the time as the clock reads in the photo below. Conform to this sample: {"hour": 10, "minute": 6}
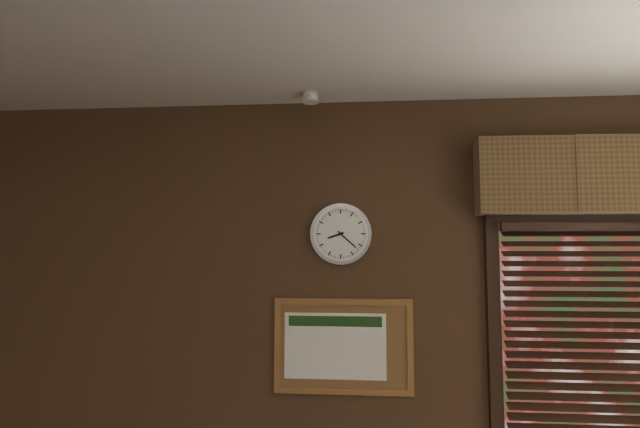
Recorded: {"hour": 8, "minute": 22}
